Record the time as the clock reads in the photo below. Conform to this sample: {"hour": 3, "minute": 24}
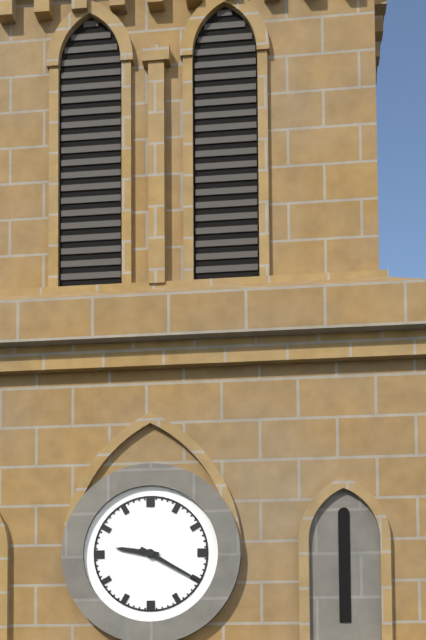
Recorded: {"hour": 9, "minute": 20}
